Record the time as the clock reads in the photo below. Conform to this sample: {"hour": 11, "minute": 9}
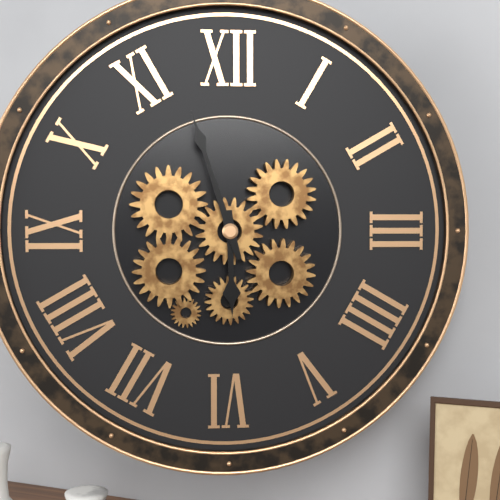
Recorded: {"hour": 5, "minute": 57}
